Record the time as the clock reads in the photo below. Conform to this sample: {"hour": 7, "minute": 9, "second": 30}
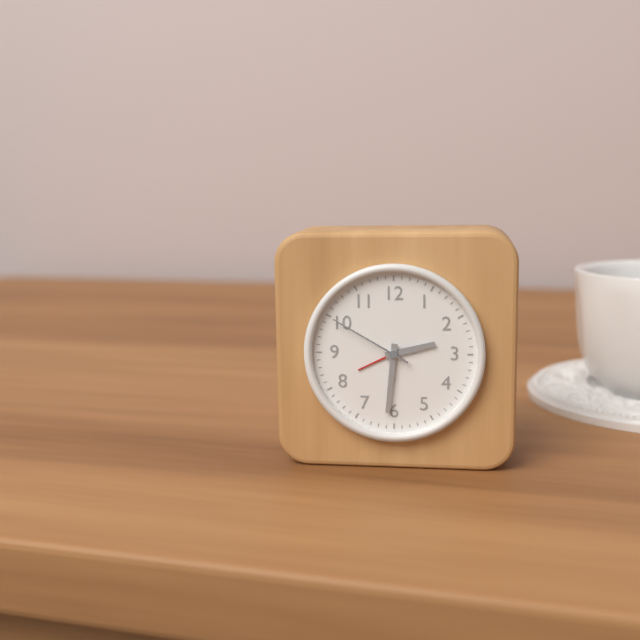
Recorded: {"hour": 2, "minute": 31, "second": 50}
